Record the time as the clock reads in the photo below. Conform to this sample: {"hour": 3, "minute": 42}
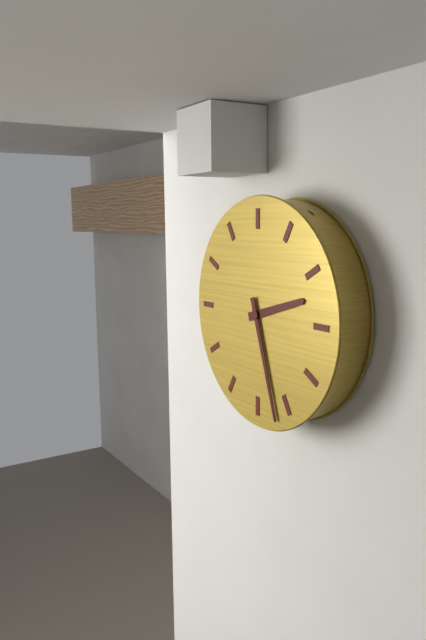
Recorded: {"hour": 2, "minute": 27}
